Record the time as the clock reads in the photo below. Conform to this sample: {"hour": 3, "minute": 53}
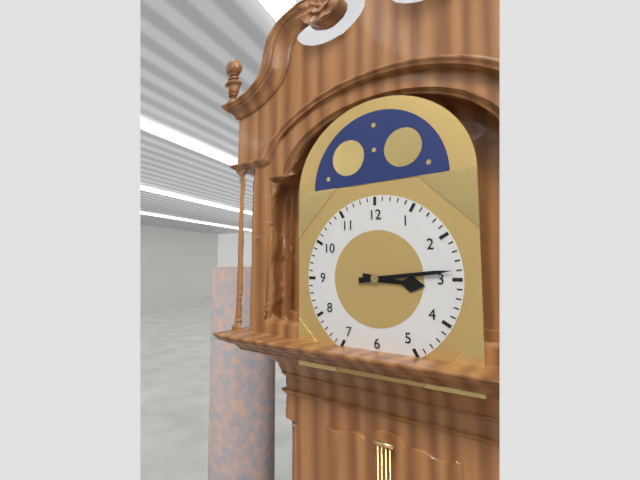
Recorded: {"hour": 3, "minute": 14}
